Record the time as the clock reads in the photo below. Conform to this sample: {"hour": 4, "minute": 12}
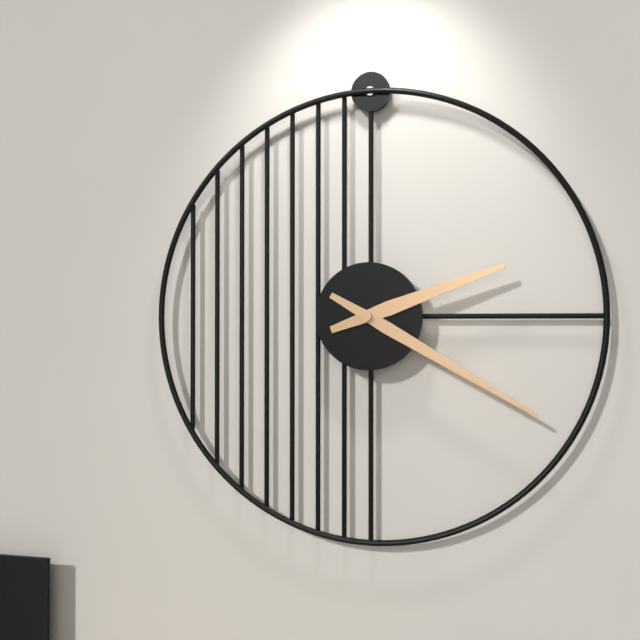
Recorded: {"hour": 2, "minute": 20}
